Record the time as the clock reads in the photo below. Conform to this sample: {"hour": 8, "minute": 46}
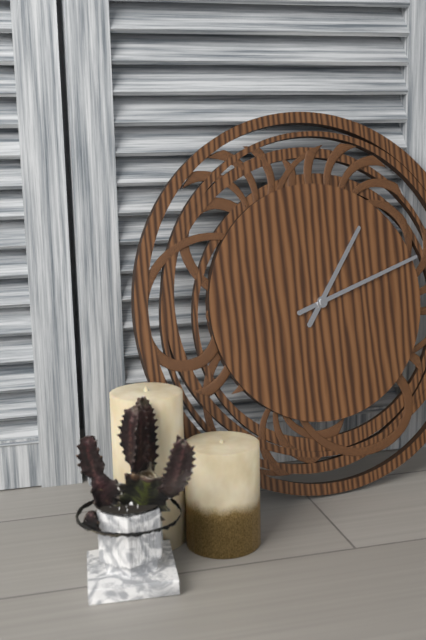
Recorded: {"hour": 1, "minute": 12}
